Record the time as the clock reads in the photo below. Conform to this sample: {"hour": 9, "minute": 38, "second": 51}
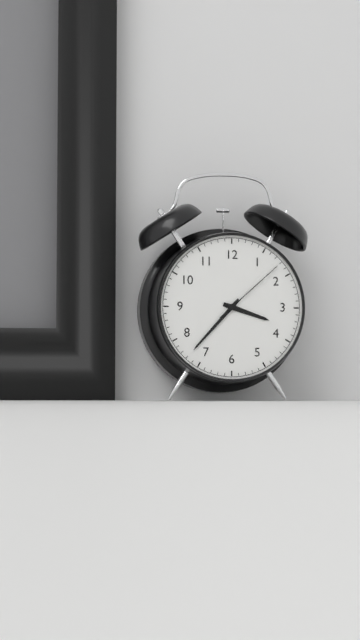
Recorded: {"hour": 3, "minute": 37, "second": 8}
